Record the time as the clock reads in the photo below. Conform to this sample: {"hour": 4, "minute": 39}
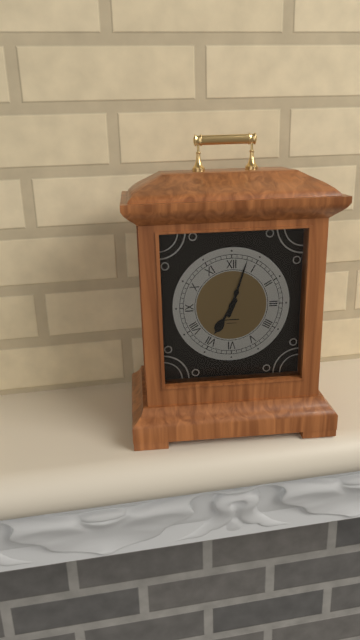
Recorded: {"hour": 7, "minute": 3}
